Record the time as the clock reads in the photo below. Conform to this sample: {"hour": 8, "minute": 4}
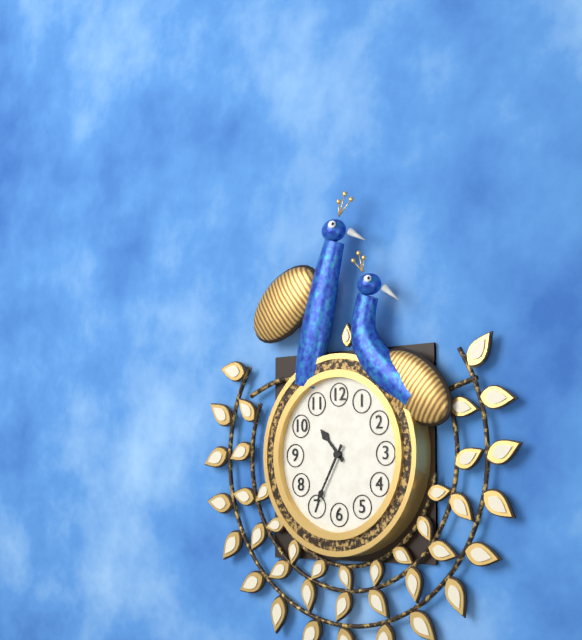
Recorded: {"hour": 10, "minute": 35}
